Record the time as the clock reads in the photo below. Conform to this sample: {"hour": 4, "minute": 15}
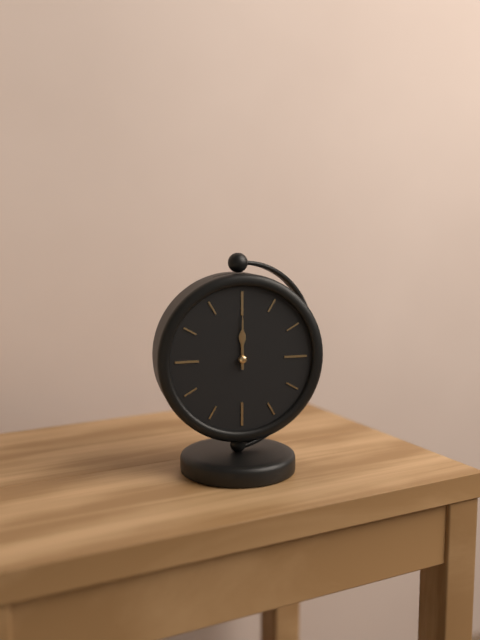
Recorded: {"hour": 12, "minute": 0}
